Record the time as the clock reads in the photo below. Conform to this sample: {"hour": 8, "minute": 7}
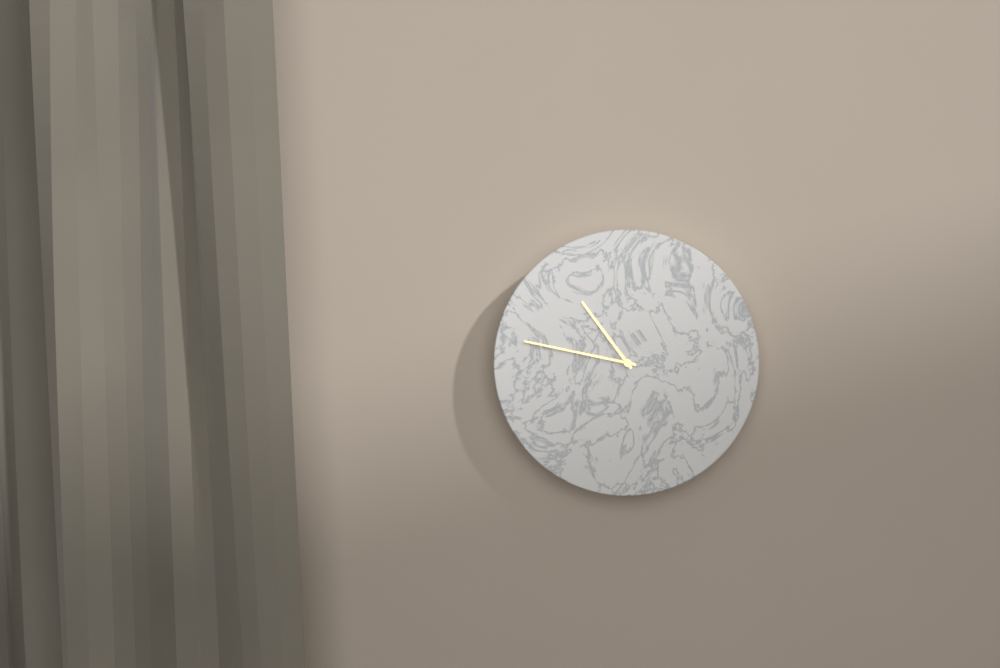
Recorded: {"hour": 10, "minute": 47}
